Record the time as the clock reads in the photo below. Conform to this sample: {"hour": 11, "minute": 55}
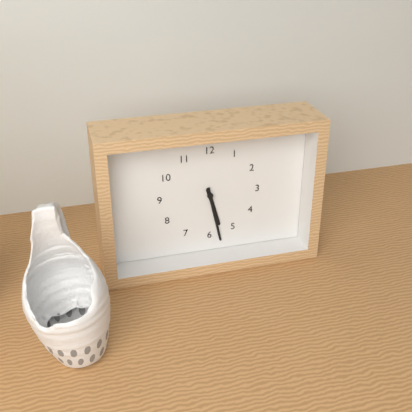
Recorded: {"hour": 5, "minute": 28}
